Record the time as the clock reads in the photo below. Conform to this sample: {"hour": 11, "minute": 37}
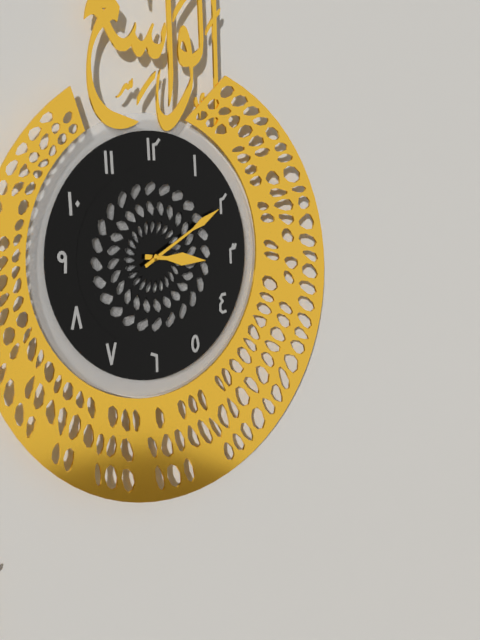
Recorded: {"hour": 3, "minute": 10}
